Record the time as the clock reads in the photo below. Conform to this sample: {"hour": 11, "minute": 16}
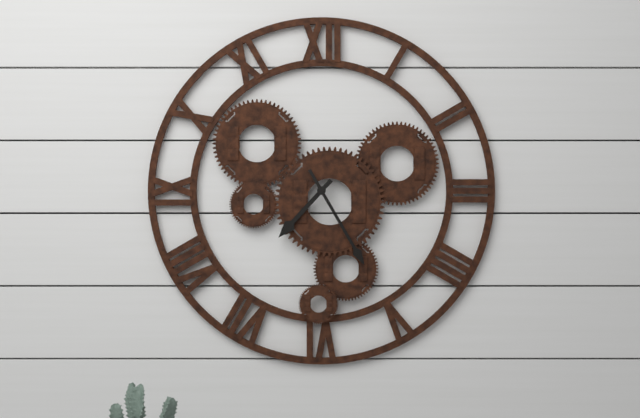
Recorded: {"hour": 7, "minute": 25}
